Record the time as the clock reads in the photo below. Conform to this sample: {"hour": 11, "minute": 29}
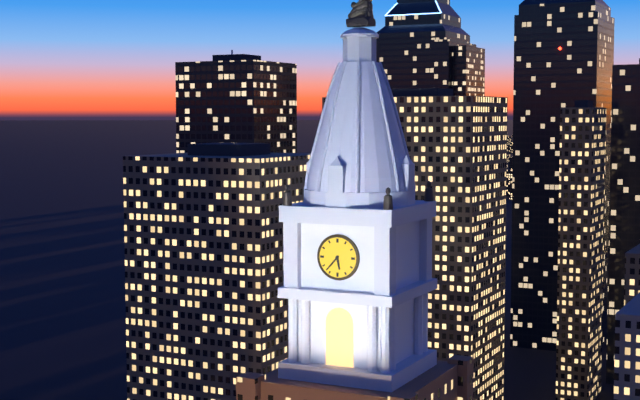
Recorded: {"hour": 5, "minute": 37}
